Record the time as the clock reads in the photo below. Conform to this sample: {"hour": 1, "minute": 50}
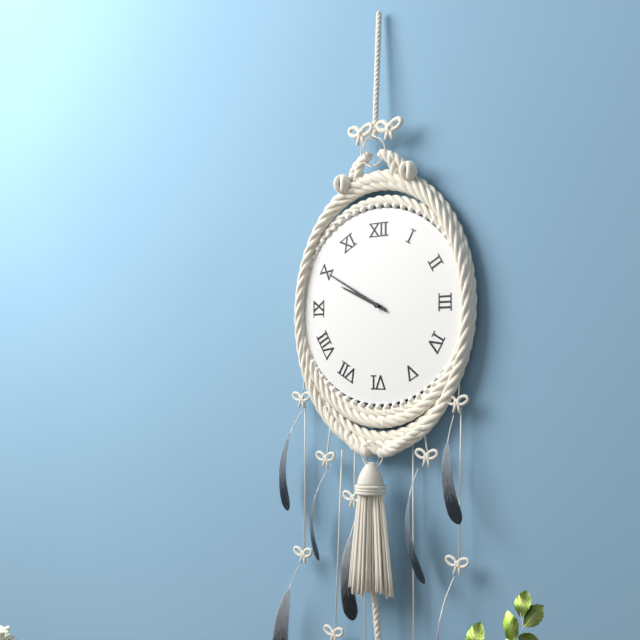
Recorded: {"hour": 9, "minute": 50}
